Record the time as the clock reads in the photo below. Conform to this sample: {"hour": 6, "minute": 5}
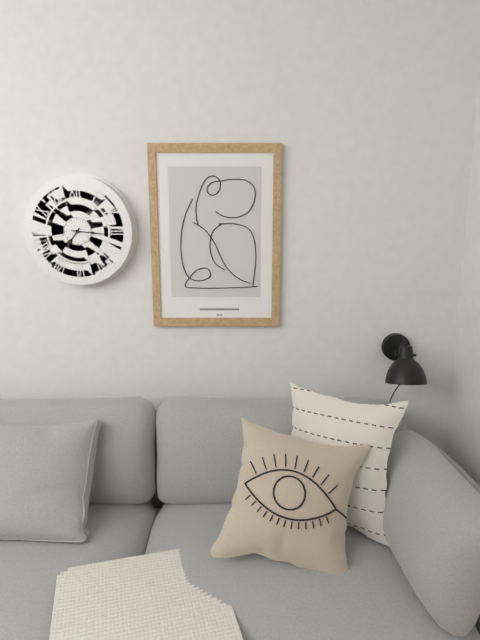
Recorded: {"hour": 7, "minute": 16}
